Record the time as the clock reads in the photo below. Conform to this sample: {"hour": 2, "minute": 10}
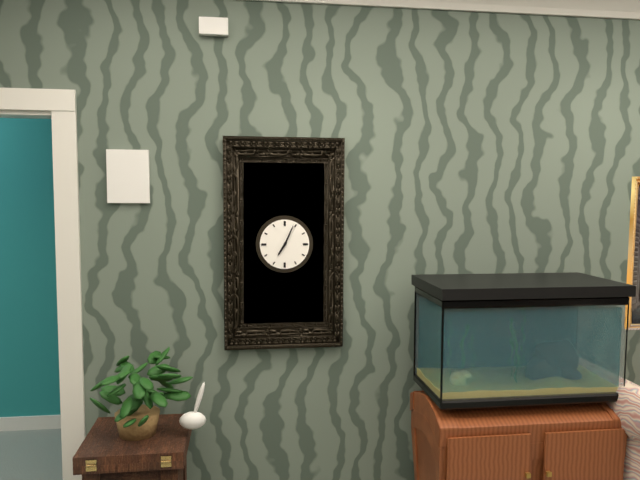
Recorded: {"hour": 7, "minute": 4}
